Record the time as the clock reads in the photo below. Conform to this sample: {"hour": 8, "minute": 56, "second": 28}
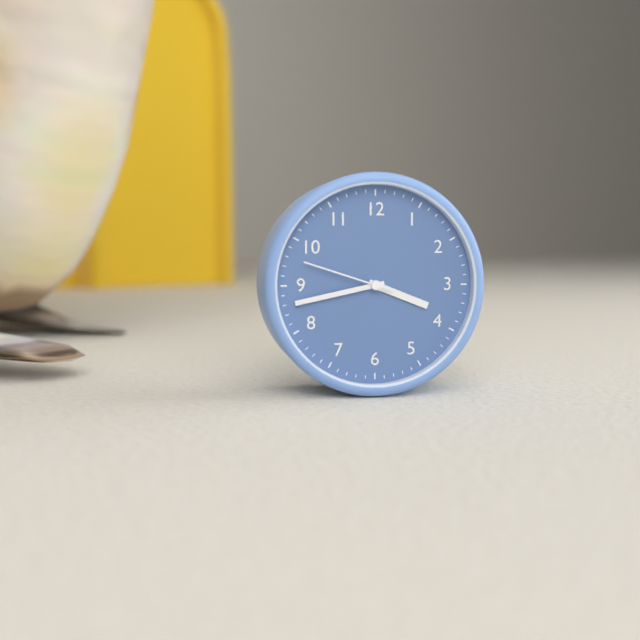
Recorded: {"hour": 3, "minute": 43, "second": 48}
